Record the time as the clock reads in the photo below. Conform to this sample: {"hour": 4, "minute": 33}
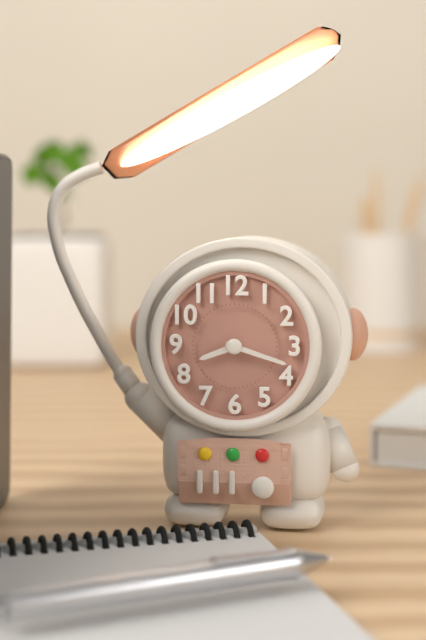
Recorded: {"hour": 8, "minute": 18}
